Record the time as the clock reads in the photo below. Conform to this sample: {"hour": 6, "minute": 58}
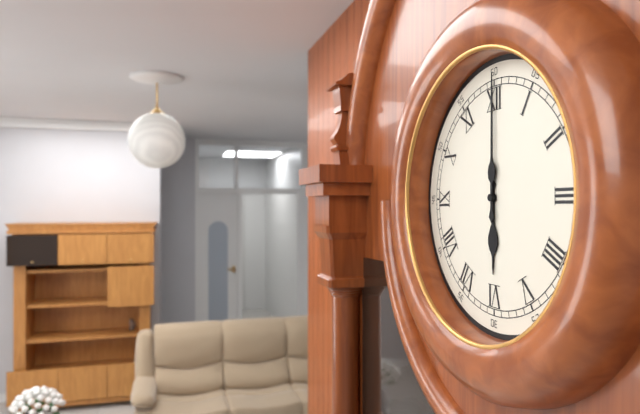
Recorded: {"hour": 6, "minute": 0}
